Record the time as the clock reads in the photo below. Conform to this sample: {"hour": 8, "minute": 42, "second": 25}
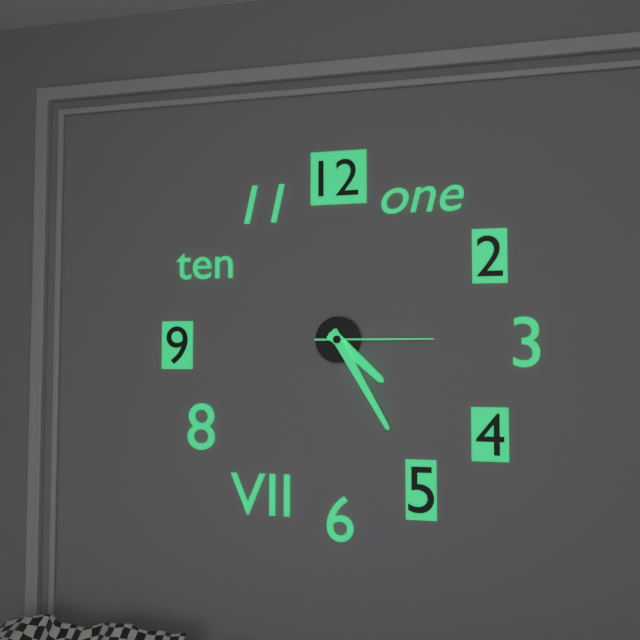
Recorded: {"hour": 4, "minute": 25, "second": 15}
